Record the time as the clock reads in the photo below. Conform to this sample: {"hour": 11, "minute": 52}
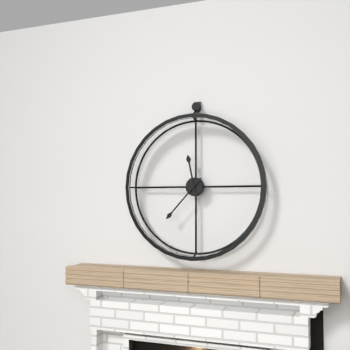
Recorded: {"hour": 11, "minute": 37}
